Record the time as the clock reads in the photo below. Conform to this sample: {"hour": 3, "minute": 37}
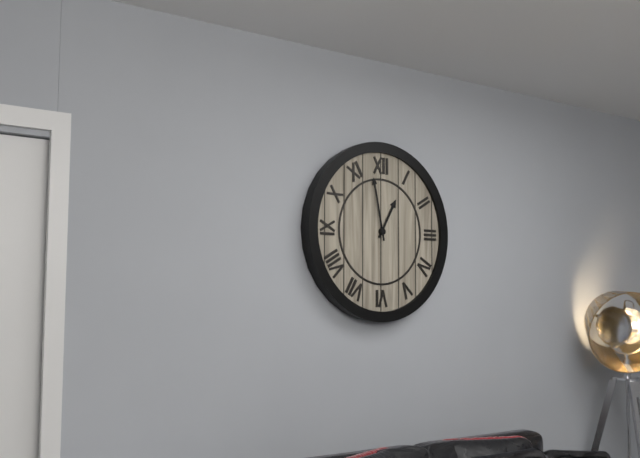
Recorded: {"hour": 12, "minute": 58}
